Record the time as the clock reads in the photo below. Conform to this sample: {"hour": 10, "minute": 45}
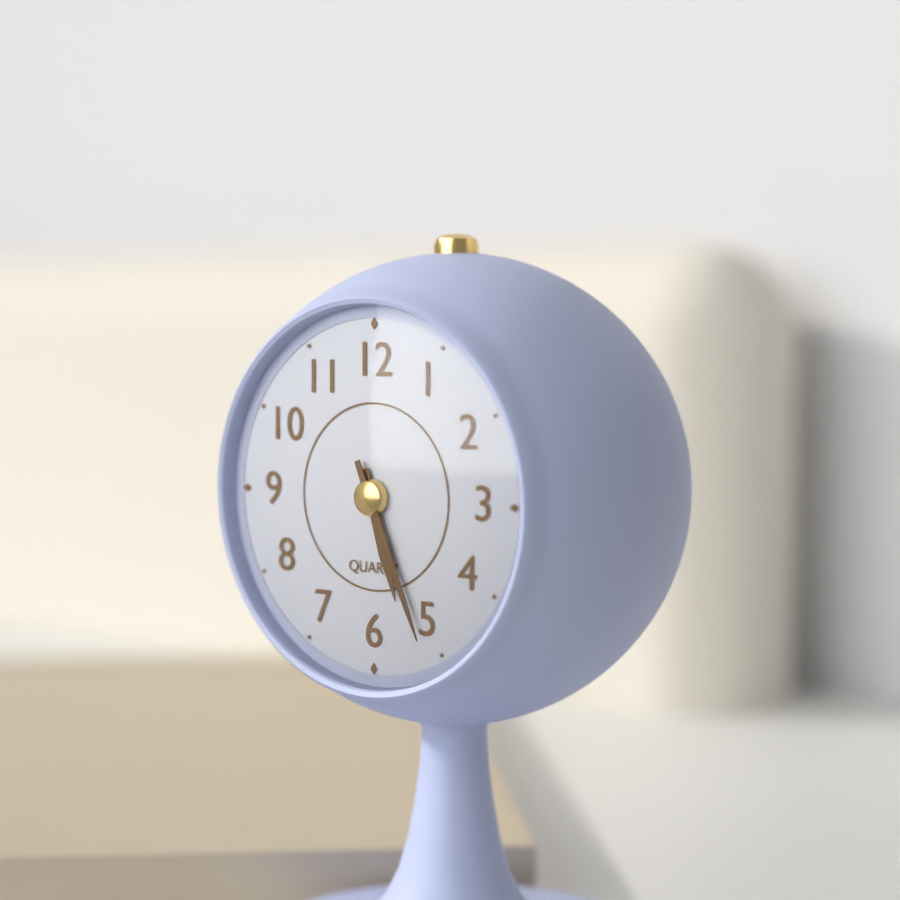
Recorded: {"hour": 5, "minute": 26}
